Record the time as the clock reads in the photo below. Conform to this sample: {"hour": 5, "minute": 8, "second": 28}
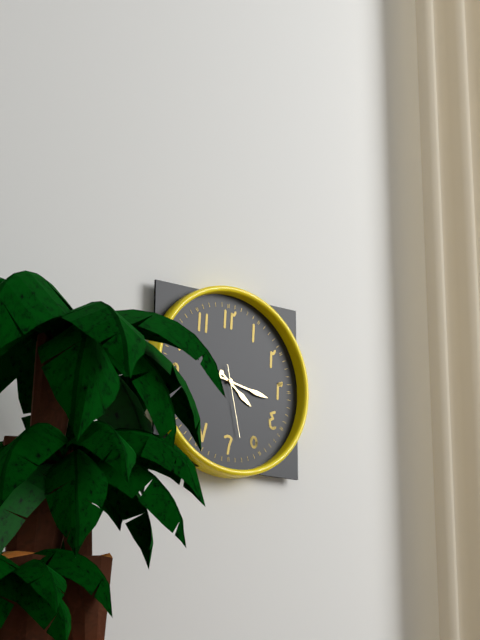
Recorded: {"hour": 4, "minute": 17, "second": 28}
